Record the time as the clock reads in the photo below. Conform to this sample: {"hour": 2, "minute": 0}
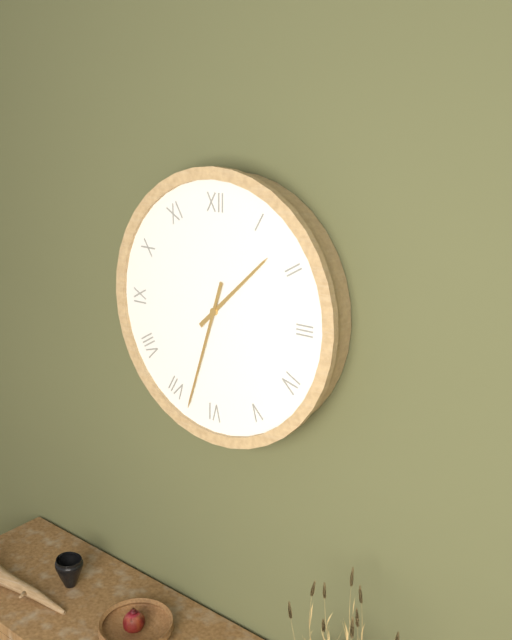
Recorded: {"hour": 1, "minute": 33}
